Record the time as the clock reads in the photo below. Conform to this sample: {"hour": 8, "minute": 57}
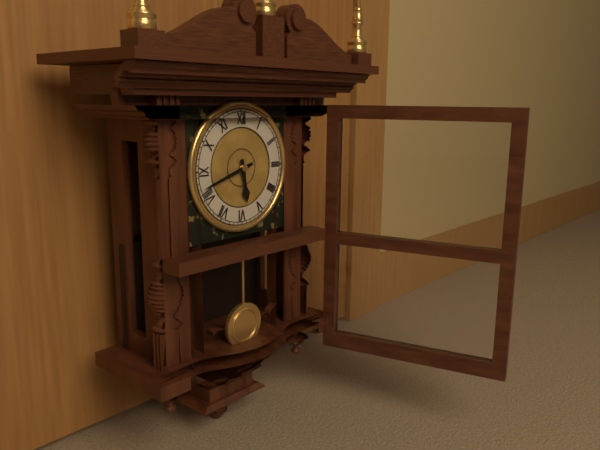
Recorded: {"hour": 5, "minute": 42}
